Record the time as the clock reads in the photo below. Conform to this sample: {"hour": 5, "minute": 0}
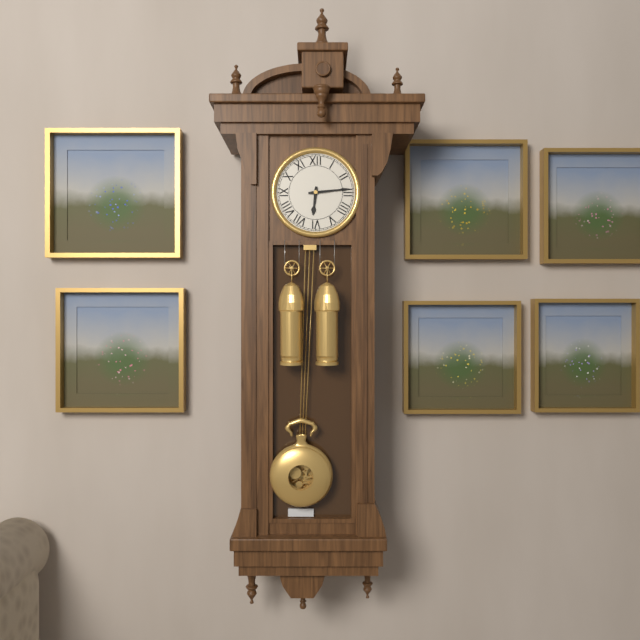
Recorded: {"hour": 6, "minute": 14}
